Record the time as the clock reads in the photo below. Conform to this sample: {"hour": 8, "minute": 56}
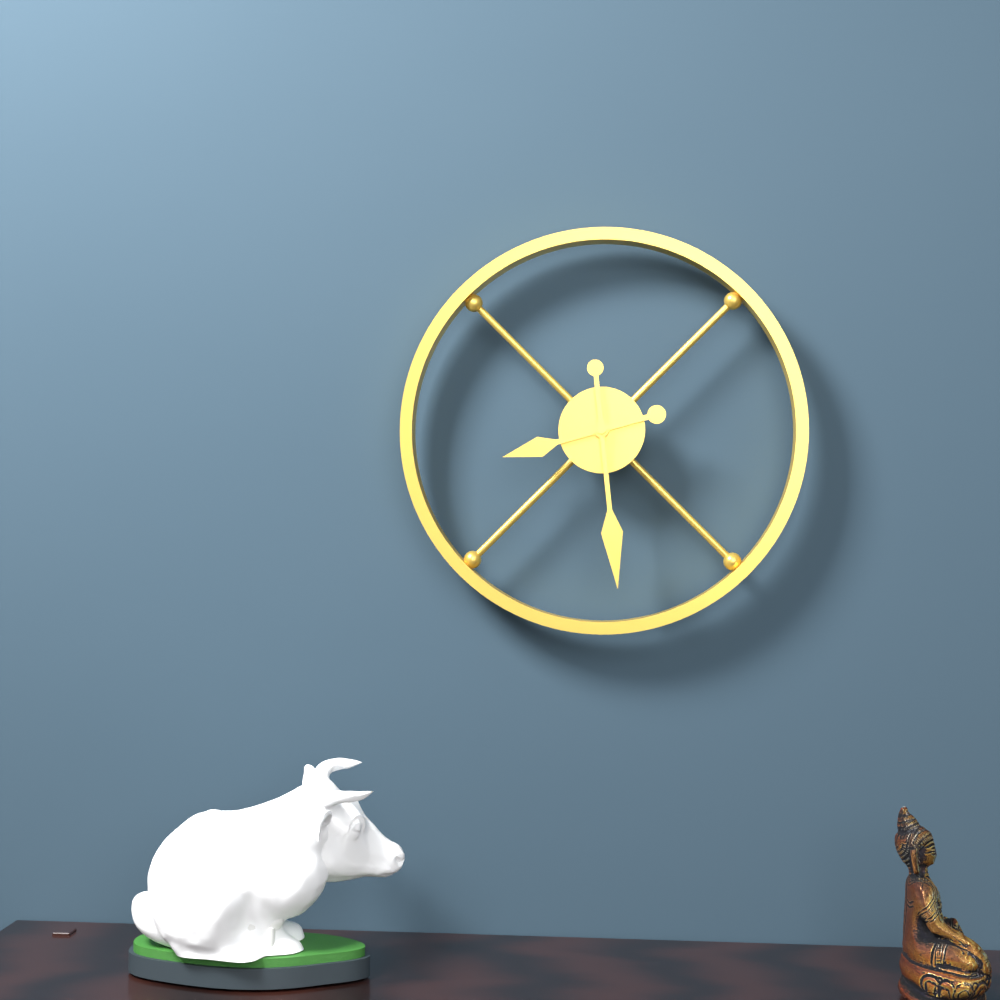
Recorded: {"hour": 8, "minute": 29}
